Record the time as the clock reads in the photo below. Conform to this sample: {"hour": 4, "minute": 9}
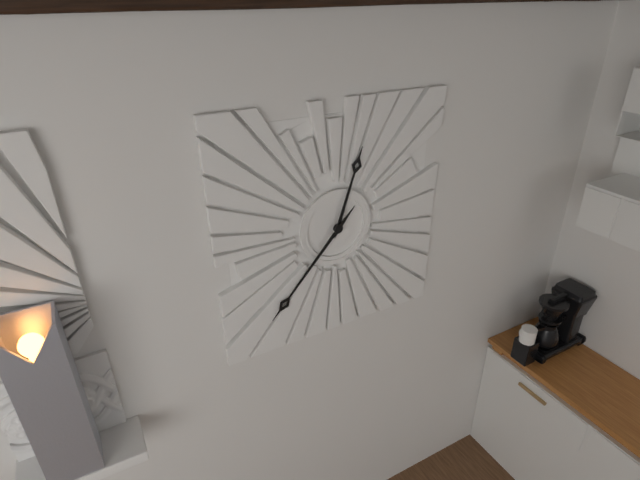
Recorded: {"hour": 12, "minute": 37}
